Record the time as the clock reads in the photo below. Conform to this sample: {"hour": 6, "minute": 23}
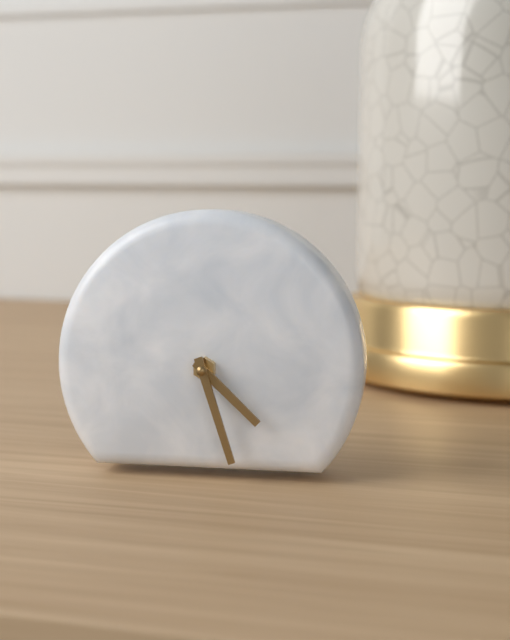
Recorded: {"hour": 4, "minute": 27}
